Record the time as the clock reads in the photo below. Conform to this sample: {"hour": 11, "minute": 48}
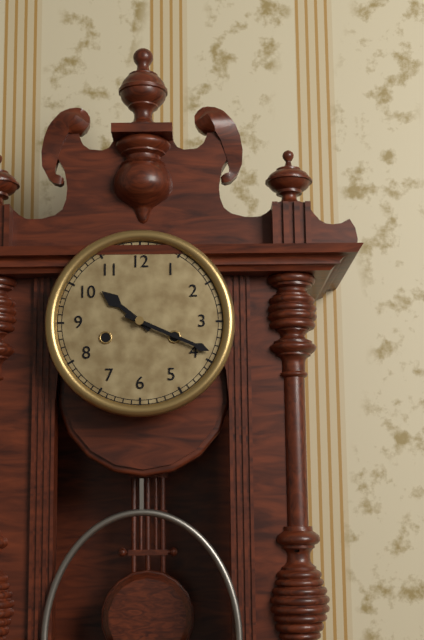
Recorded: {"hour": 10, "minute": 19}
